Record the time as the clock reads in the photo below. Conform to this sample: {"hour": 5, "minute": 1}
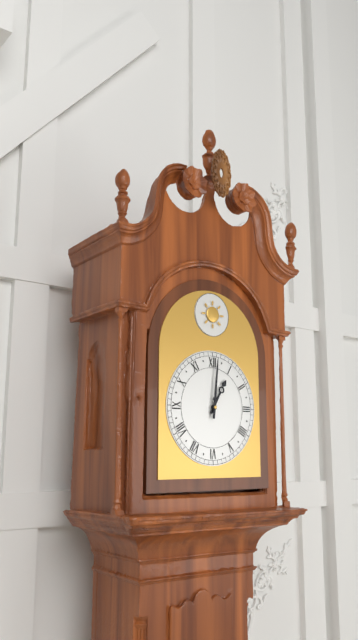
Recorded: {"hour": 1, "minute": 1}
